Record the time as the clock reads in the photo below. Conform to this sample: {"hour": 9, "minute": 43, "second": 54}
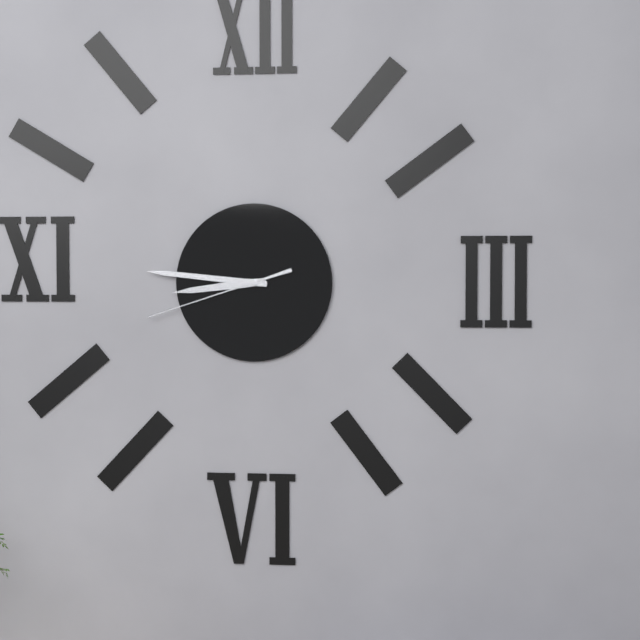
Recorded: {"hour": 8, "minute": 46, "second": 42}
